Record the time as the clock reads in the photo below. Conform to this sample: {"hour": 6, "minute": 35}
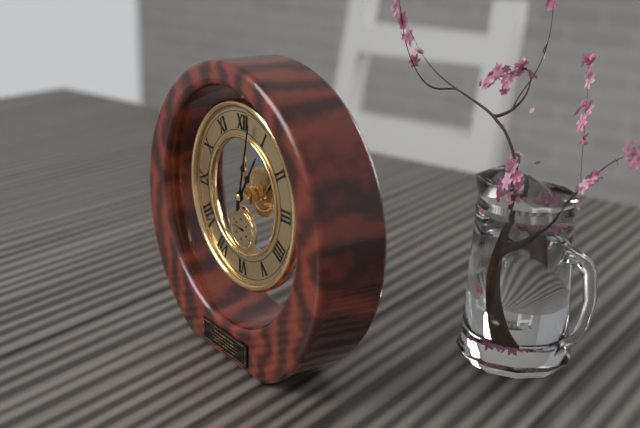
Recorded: {"hour": 1, "minute": 2}
